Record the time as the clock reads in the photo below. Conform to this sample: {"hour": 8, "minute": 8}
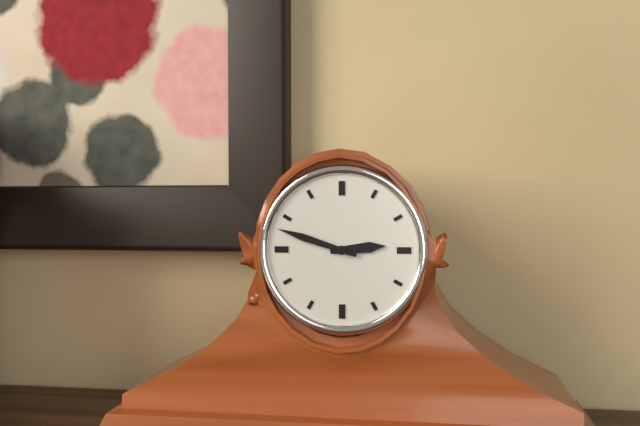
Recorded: {"hour": 2, "minute": 48}
